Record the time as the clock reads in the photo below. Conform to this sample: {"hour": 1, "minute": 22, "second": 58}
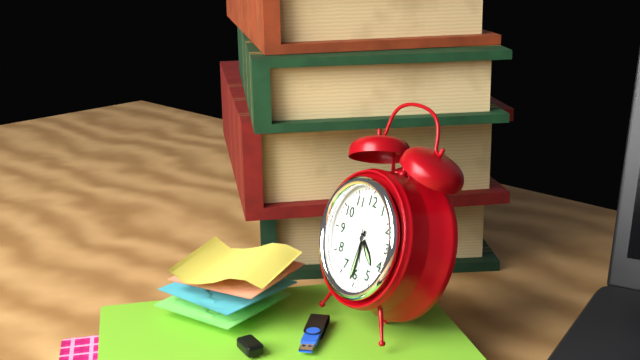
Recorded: {"hour": 4, "minute": 31, "second": 28}
